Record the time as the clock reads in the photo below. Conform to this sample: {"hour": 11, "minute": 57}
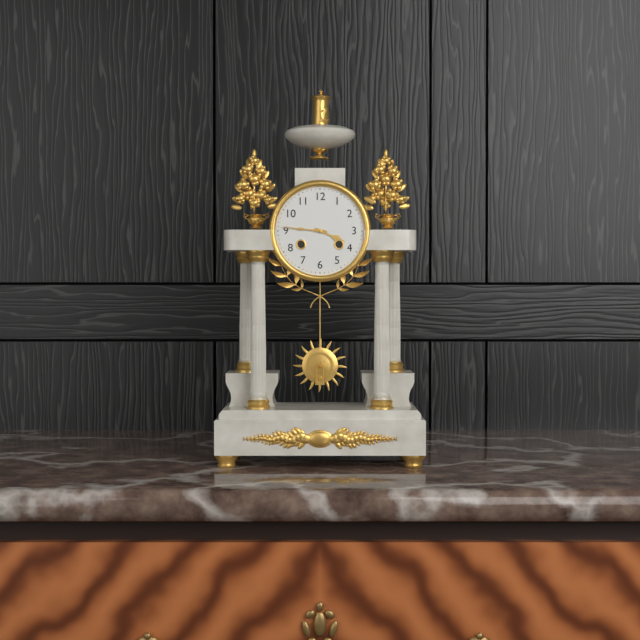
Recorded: {"hour": 3, "minute": 46}
